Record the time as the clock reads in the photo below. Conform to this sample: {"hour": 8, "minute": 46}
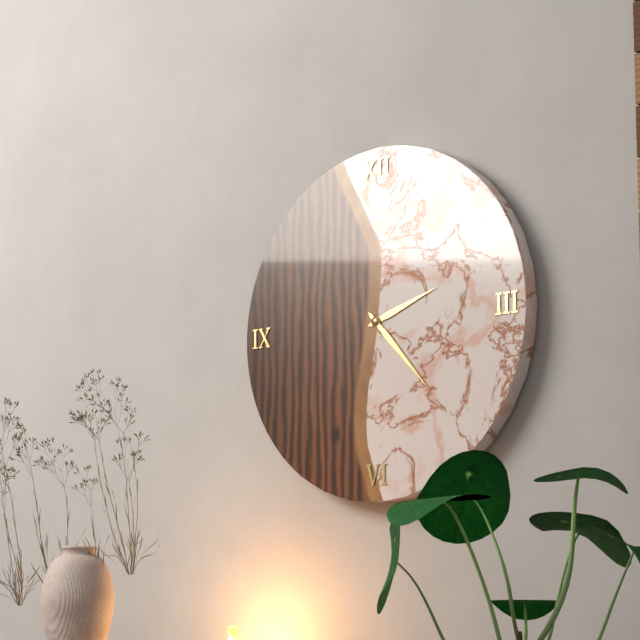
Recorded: {"hour": 2, "minute": 23}
